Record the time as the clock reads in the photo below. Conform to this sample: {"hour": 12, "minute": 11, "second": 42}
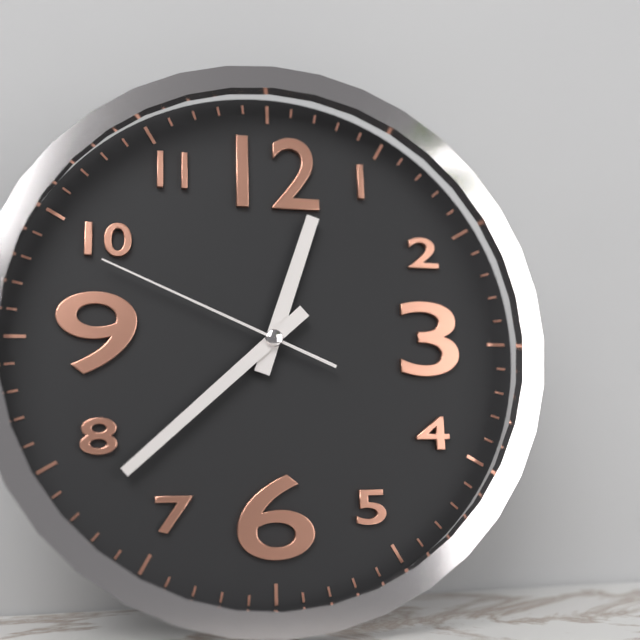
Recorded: {"hour": 12, "minute": 38, "second": 49}
